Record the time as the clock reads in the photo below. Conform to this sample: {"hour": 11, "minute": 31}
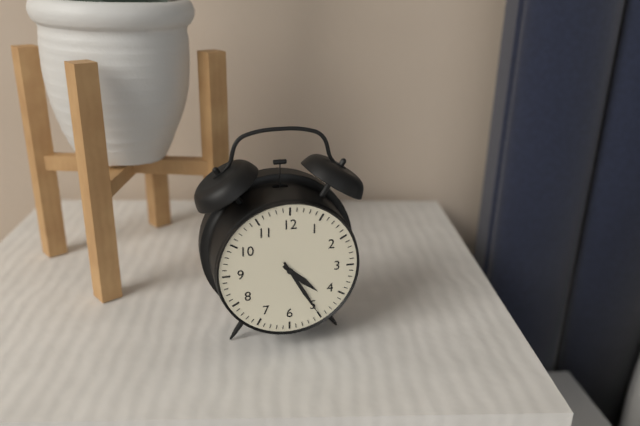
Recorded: {"hour": 4, "minute": 25}
